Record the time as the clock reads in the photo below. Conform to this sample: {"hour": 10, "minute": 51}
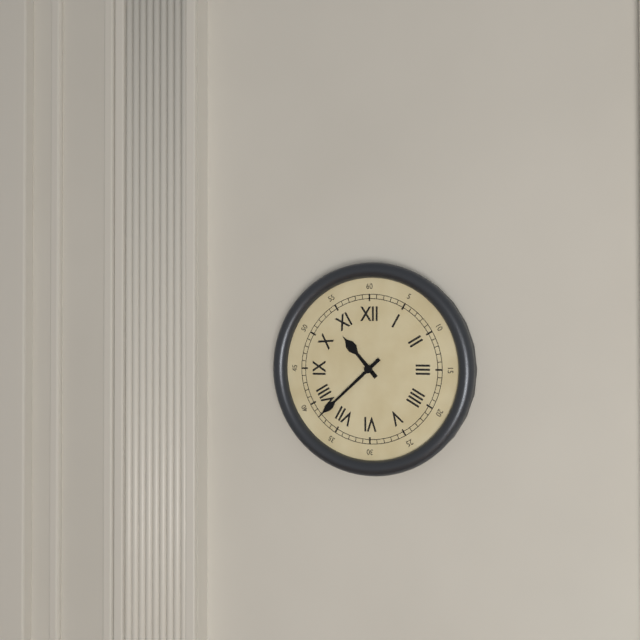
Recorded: {"hour": 10, "minute": 38}
